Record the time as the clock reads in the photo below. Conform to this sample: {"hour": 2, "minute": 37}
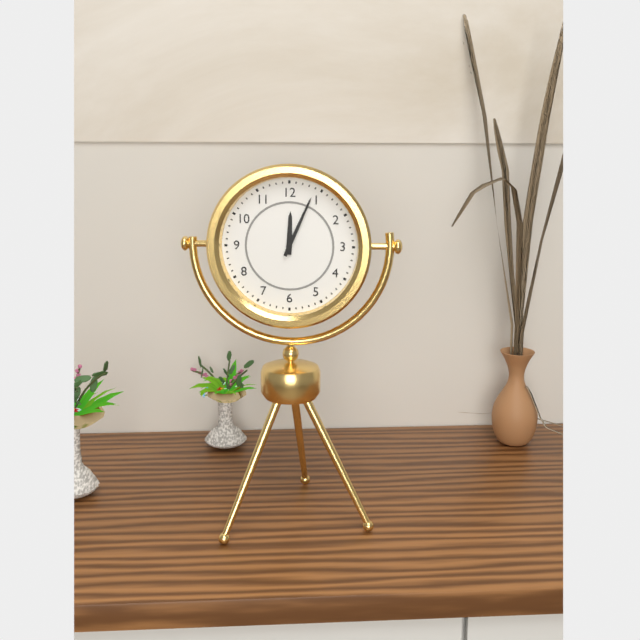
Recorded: {"hour": 12, "minute": 4}
